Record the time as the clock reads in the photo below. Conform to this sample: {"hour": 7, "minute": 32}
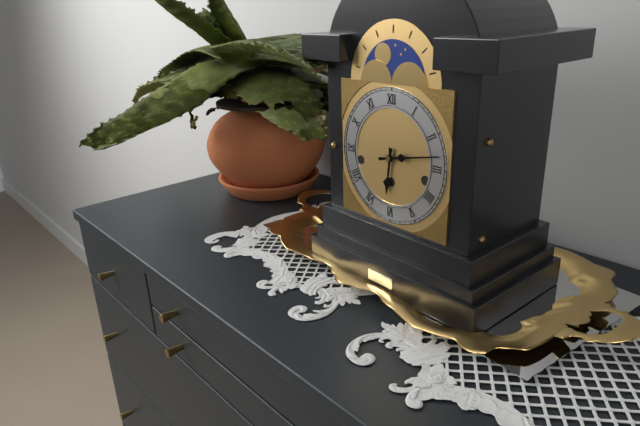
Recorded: {"hour": 6, "minute": 13}
